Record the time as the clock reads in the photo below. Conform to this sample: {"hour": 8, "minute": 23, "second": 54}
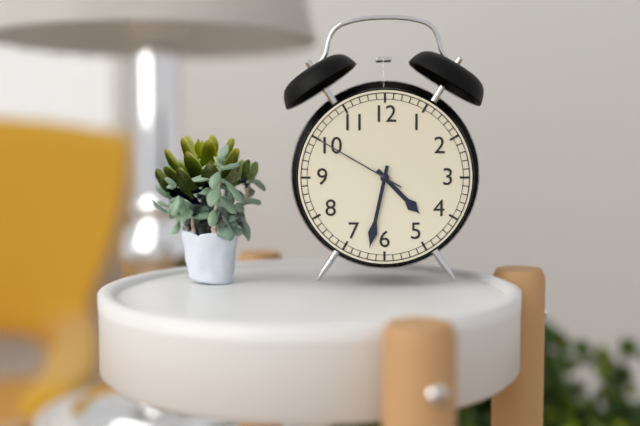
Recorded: {"hour": 4, "minute": 32, "second": 50}
